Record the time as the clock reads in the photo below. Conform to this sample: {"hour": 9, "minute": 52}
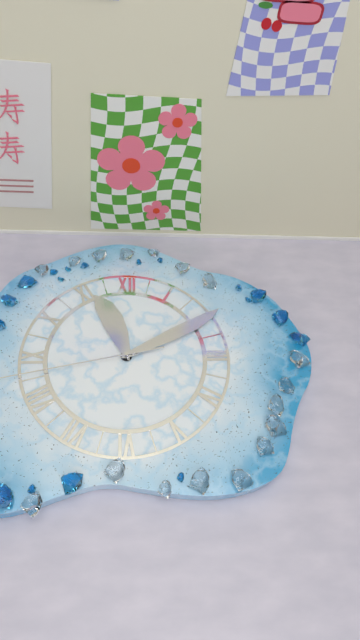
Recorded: {"hour": 11, "minute": 10}
